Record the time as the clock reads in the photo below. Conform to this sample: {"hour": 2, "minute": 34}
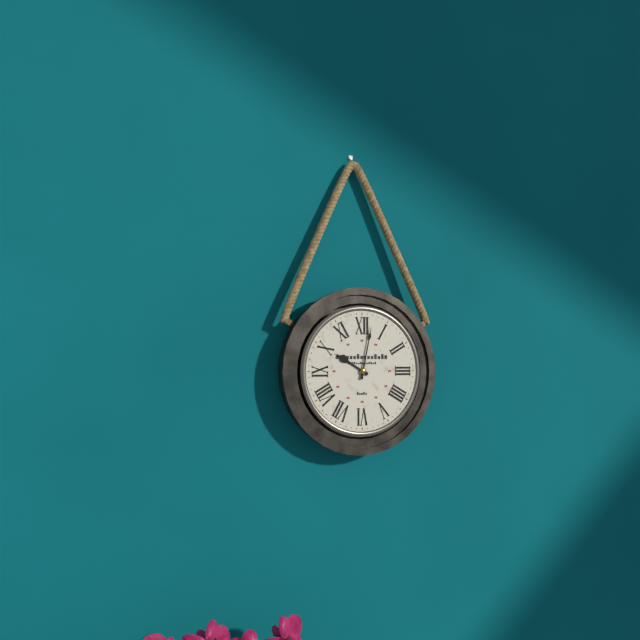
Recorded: {"hour": 10, "minute": 2}
